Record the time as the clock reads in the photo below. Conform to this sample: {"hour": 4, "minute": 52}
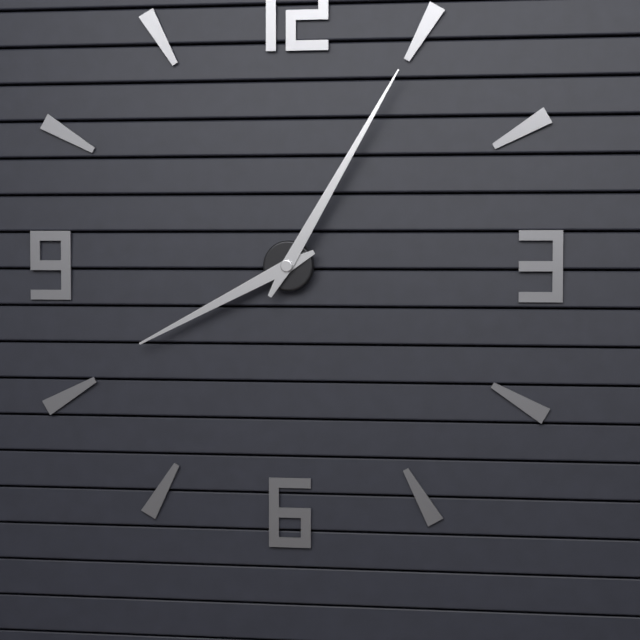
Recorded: {"hour": 8, "minute": 5}
